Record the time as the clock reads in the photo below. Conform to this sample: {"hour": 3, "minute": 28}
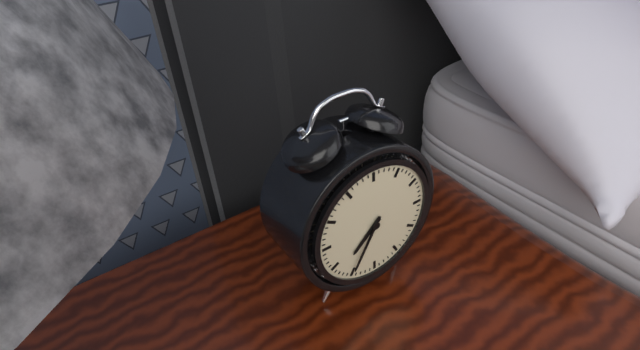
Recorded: {"hour": 7, "minute": 35}
